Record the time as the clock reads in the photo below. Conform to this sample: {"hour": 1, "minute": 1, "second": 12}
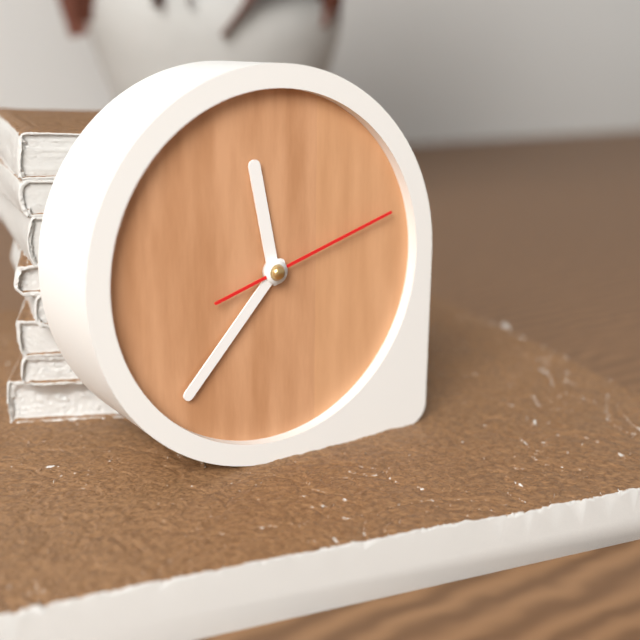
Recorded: {"hour": 11, "minute": 37, "second": 12}
